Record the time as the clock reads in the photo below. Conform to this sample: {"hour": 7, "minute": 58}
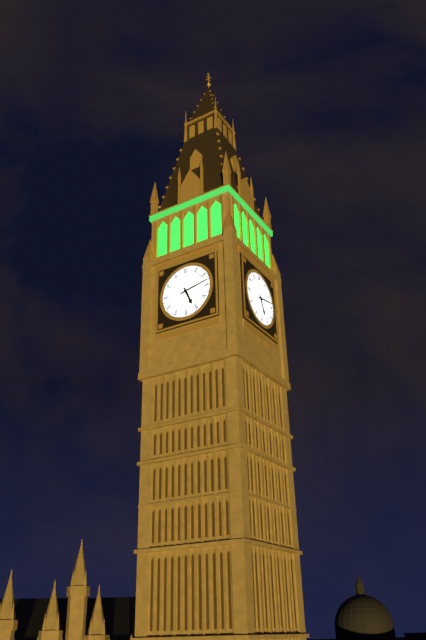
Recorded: {"hour": 5, "minute": 13}
